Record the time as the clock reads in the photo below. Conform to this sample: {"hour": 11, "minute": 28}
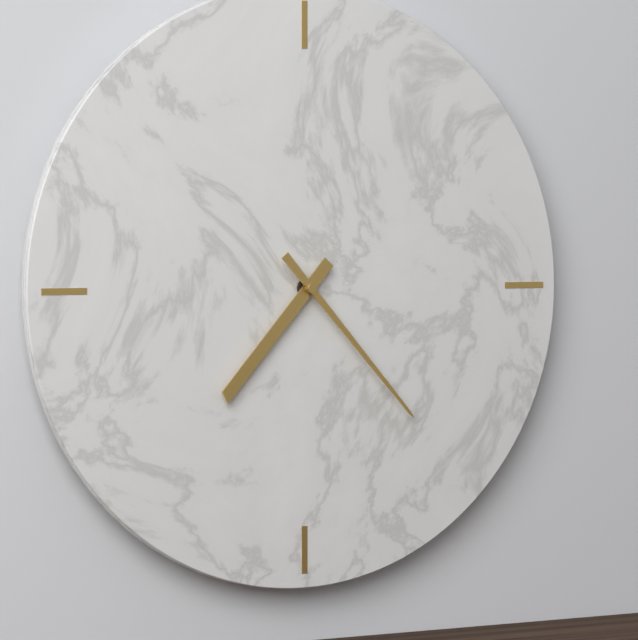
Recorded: {"hour": 7, "minute": 23}
